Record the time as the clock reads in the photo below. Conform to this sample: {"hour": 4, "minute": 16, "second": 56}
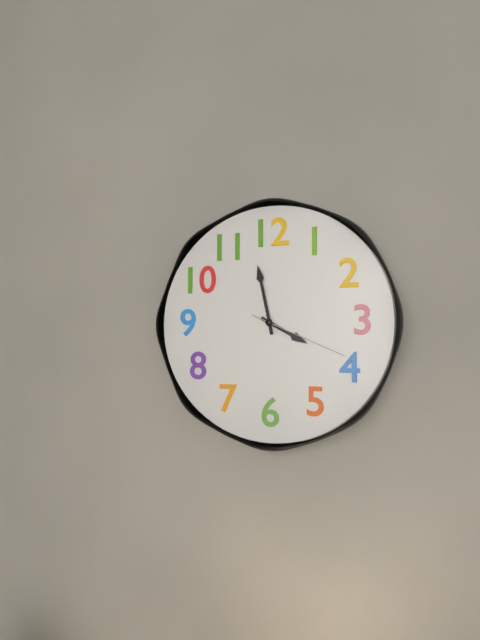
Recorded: {"hour": 3, "minute": 58, "second": 19}
